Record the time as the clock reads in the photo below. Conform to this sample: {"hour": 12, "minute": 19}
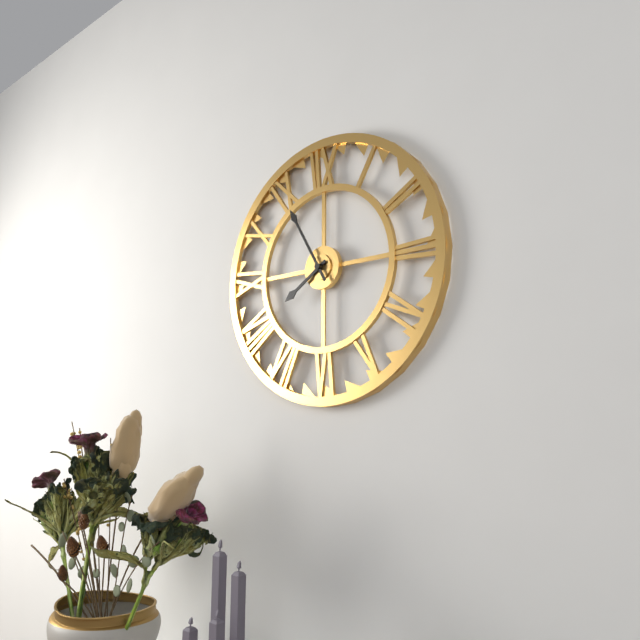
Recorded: {"hour": 7, "minute": 55}
